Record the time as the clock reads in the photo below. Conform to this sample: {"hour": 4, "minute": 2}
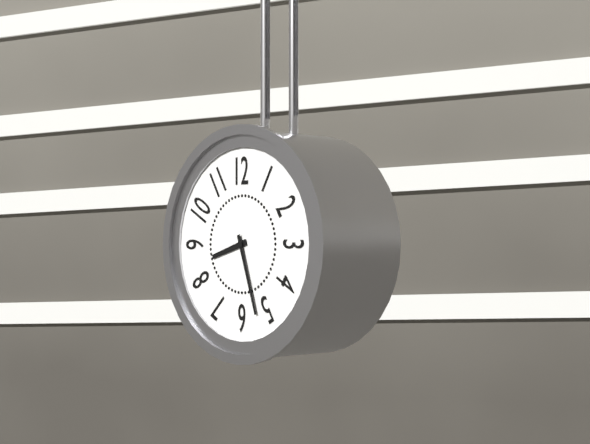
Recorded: {"hour": 8, "minute": 27}
